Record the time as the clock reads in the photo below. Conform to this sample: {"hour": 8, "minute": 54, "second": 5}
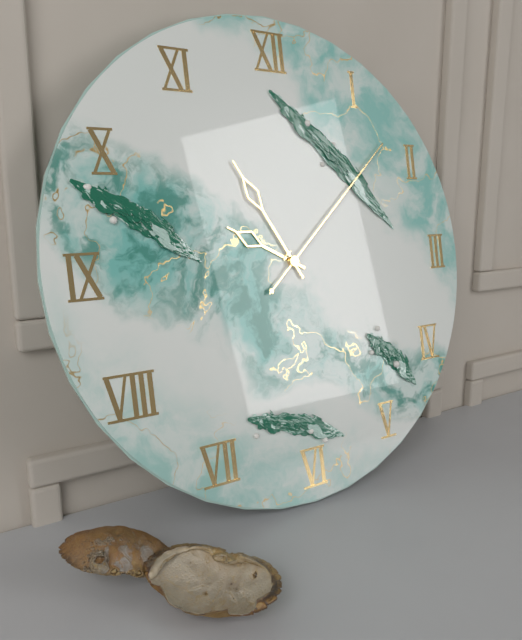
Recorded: {"hour": 9, "minute": 55, "second": 8}
